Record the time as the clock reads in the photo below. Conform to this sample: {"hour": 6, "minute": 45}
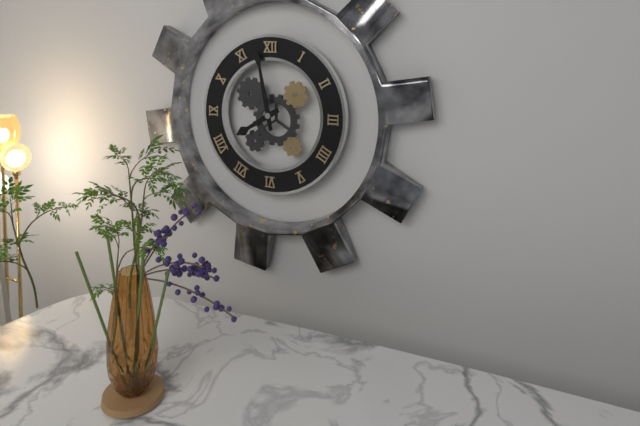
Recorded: {"hour": 7, "minute": 58}
